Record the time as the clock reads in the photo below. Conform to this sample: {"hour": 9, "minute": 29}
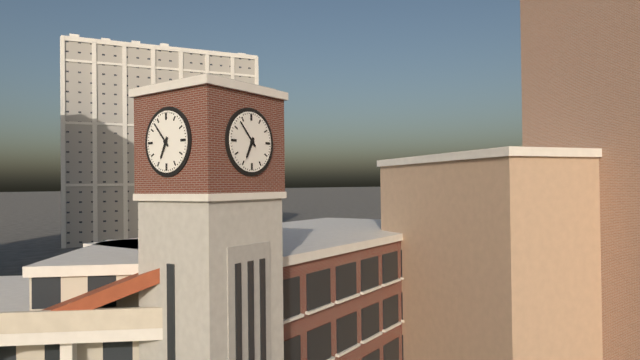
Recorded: {"hour": 6, "minute": 53}
